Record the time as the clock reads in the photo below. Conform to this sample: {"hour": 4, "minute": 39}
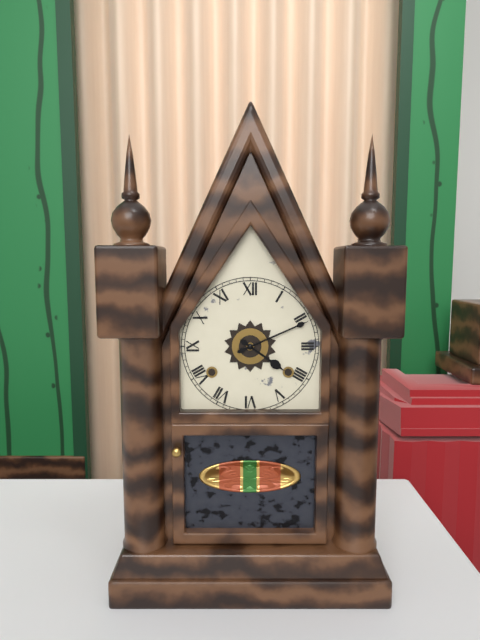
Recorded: {"hour": 4, "minute": 11}
